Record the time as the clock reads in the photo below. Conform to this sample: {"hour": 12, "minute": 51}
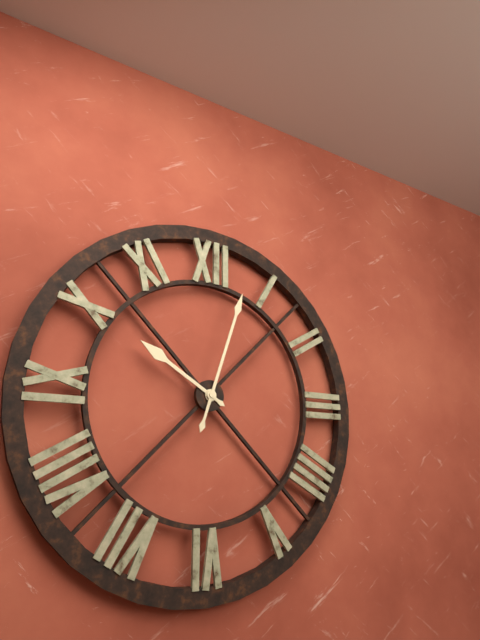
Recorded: {"hour": 10, "minute": 3}
